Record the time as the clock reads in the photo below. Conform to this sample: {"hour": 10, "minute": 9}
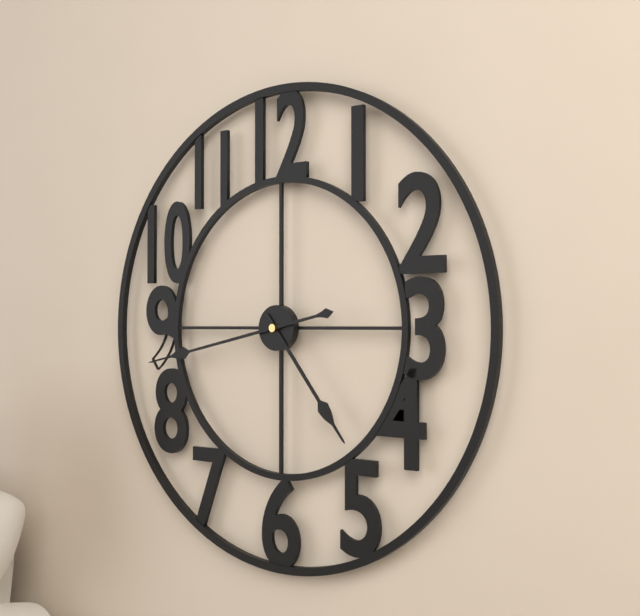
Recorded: {"hour": 4, "minute": 43}
